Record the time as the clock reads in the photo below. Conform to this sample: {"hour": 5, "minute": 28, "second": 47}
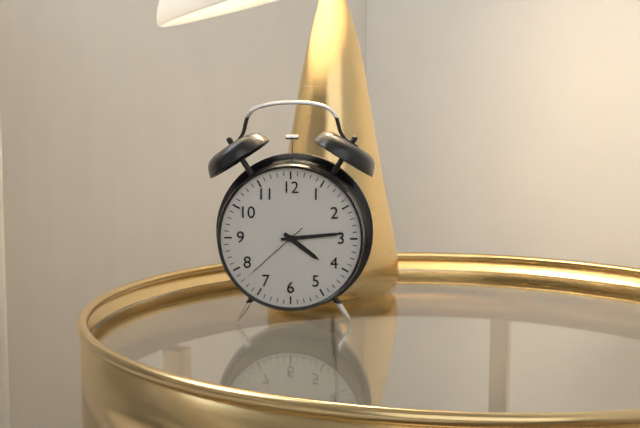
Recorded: {"hour": 4, "minute": 14, "second": 38}
